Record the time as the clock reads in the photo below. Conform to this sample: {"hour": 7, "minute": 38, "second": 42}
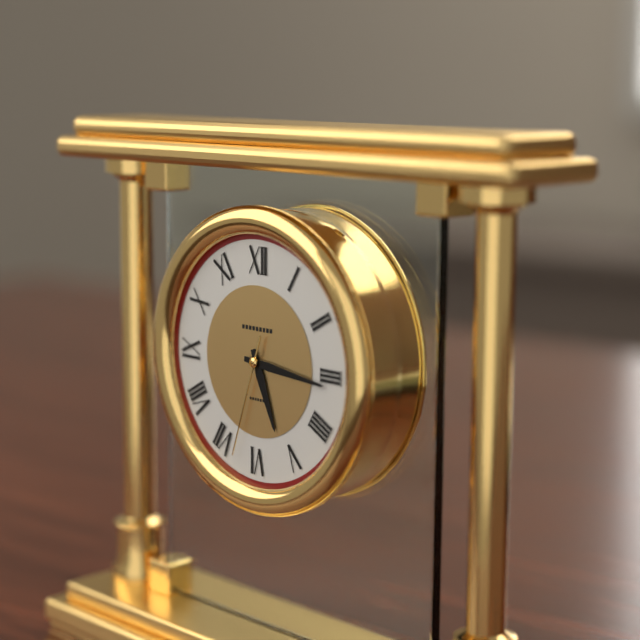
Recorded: {"hour": 5, "minute": 16, "second": 33}
